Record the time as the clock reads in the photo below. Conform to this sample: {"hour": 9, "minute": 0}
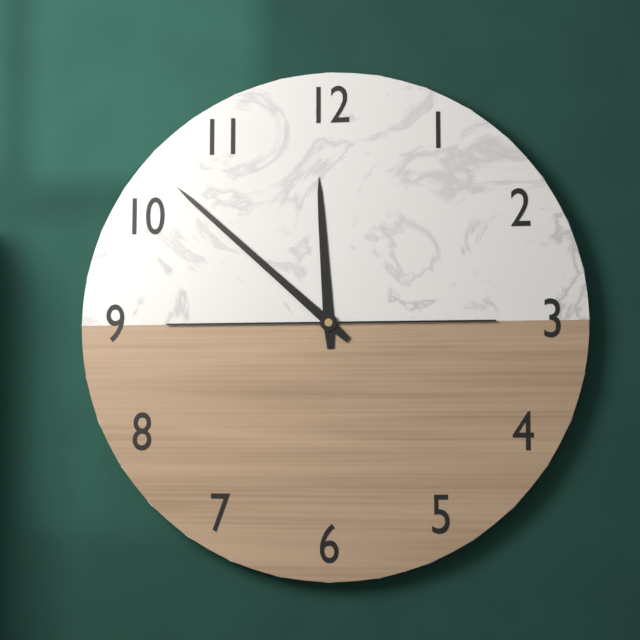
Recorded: {"hour": 11, "minute": 52}
